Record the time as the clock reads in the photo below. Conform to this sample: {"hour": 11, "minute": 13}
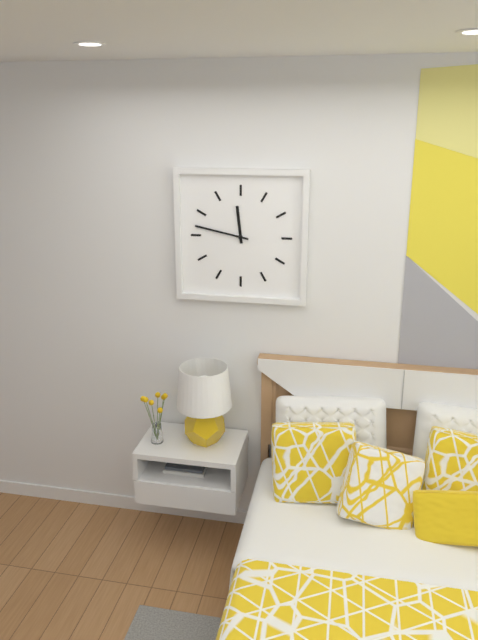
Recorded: {"hour": 11, "minute": 47}
